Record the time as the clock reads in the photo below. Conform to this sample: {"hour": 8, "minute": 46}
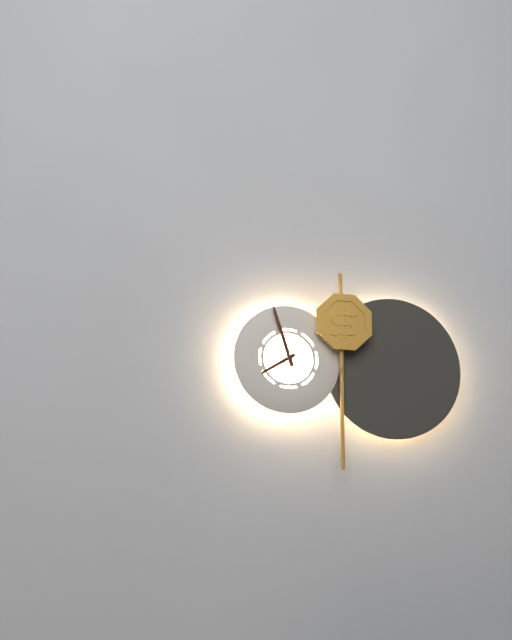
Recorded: {"hour": 7, "minute": 57}
